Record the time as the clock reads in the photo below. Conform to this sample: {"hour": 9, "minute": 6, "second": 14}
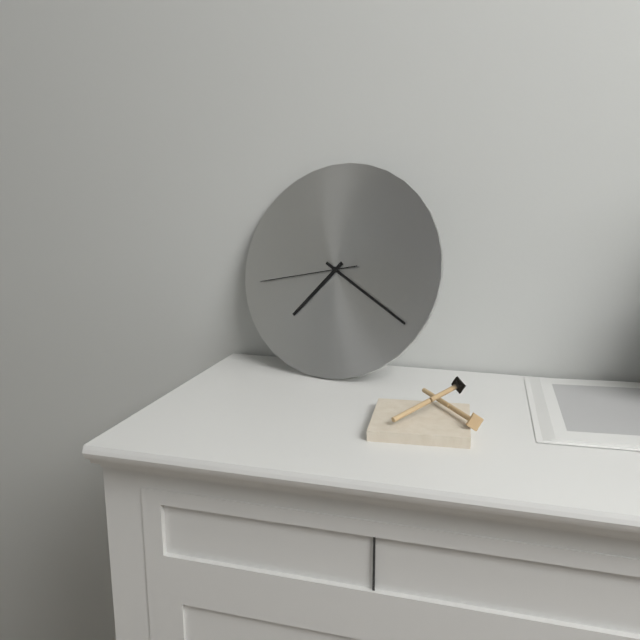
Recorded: {"hour": 7, "minute": 20, "second": 43}
